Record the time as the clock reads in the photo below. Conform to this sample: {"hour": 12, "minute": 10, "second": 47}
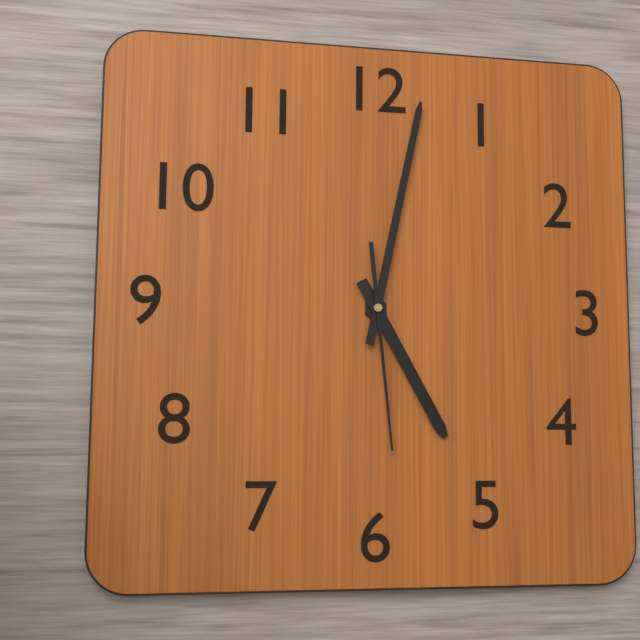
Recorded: {"hour": 5, "minute": 2, "second": 29}
